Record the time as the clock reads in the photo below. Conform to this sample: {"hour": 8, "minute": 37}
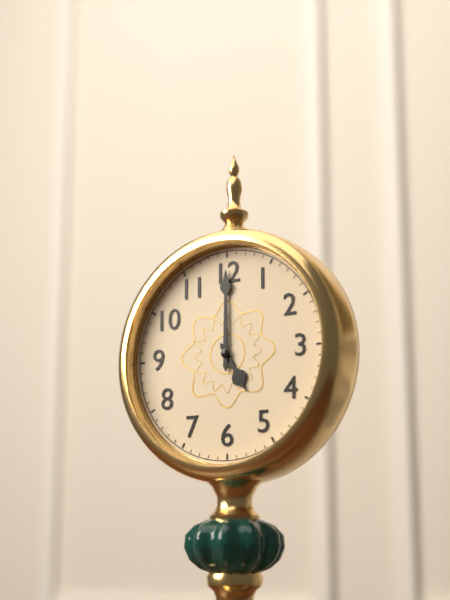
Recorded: {"hour": 5, "minute": 0}
